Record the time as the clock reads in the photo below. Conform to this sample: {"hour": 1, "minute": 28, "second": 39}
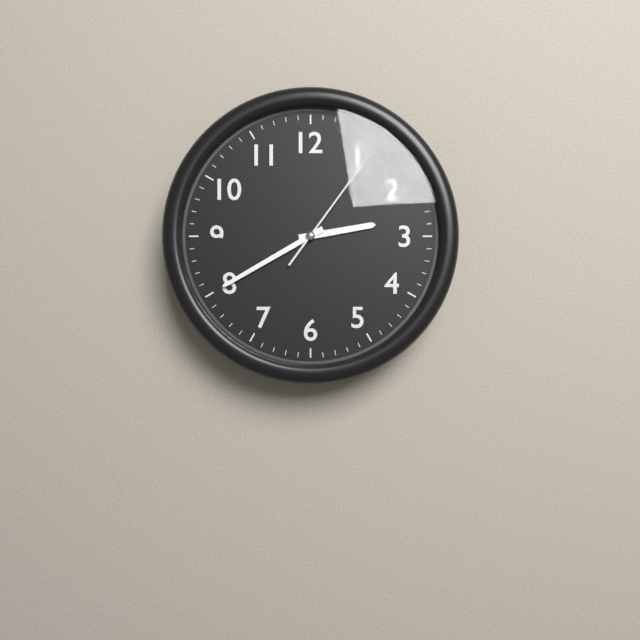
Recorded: {"hour": 2, "minute": 40, "second": 6}
